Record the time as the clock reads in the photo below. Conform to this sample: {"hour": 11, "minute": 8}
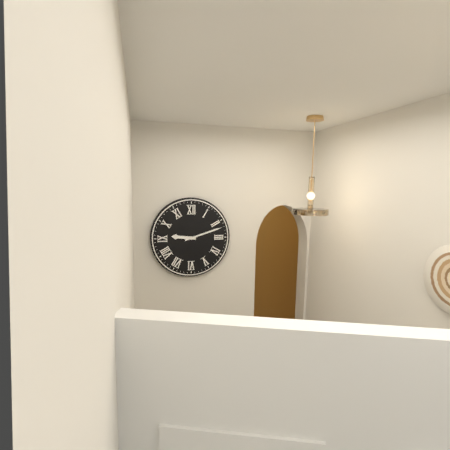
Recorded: {"hour": 9, "minute": 12}
